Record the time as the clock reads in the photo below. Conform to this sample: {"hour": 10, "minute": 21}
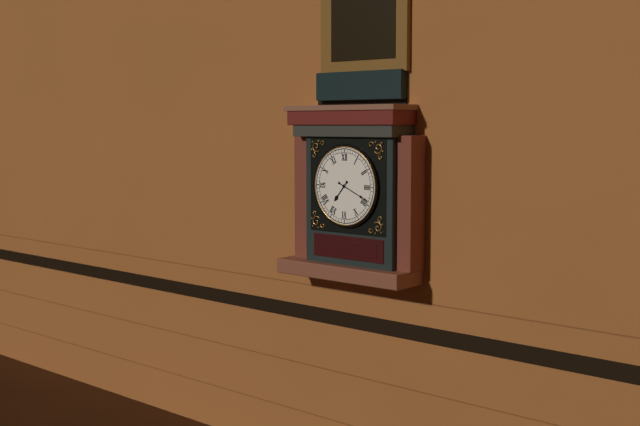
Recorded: {"hour": 7, "minute": 19}
